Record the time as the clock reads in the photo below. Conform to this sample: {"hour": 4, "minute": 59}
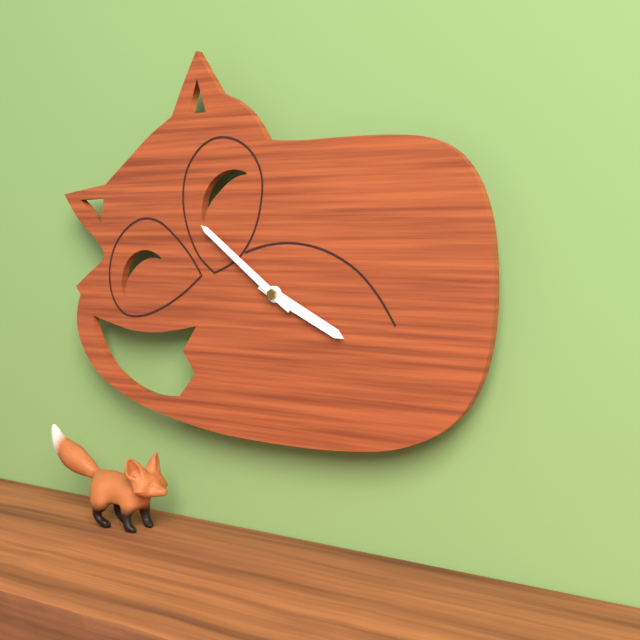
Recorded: {"hour": 3, "minute": 51}
